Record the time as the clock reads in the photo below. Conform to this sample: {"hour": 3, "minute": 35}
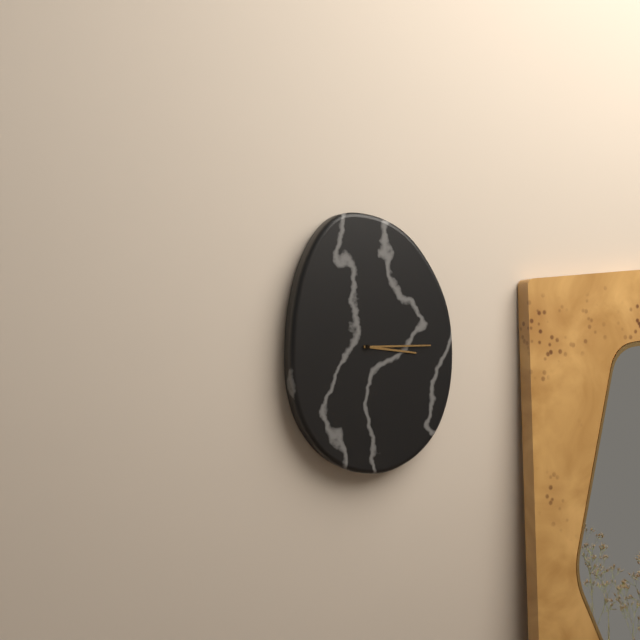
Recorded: {"hour": 3, "minute": 15}
